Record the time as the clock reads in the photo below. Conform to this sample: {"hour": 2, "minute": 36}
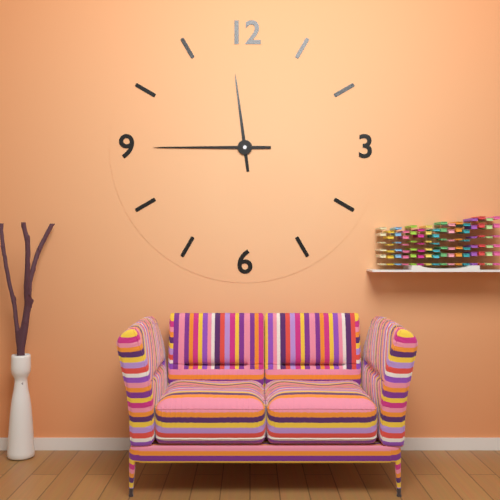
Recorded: {"hour": 11, "minute": 45}
